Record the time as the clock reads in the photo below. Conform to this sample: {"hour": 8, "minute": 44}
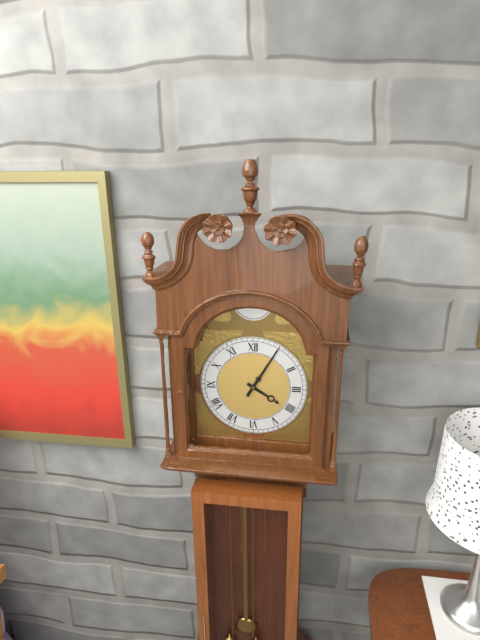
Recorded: {"hour": 4, "minute": 5}
